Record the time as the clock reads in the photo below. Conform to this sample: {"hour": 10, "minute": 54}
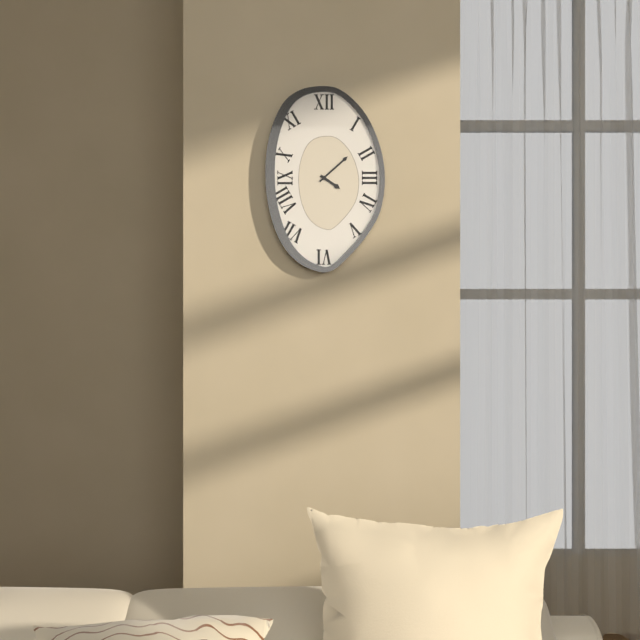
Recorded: {"hour": 4, "minute": 8}
